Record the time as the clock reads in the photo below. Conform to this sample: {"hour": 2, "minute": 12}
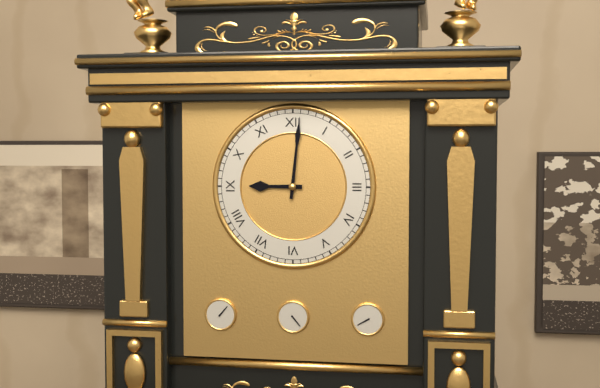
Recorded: {"hour": 9, "minute": 1}
